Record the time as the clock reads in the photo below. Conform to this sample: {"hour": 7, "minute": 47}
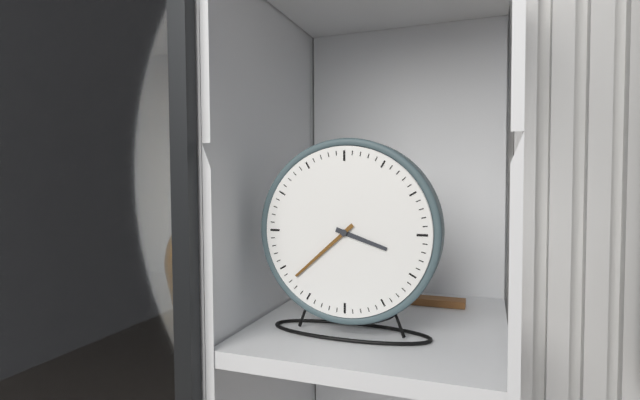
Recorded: {"hour": 3, "minute": 38}
